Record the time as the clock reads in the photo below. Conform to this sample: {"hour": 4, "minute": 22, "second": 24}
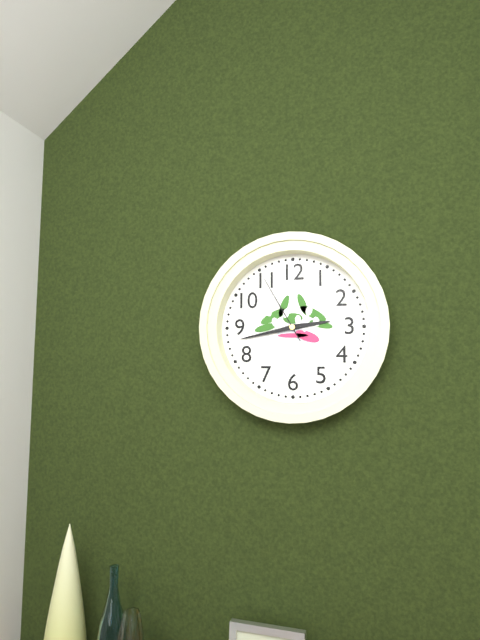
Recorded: {"hour": 2, "minute": 43, "second": 55}
